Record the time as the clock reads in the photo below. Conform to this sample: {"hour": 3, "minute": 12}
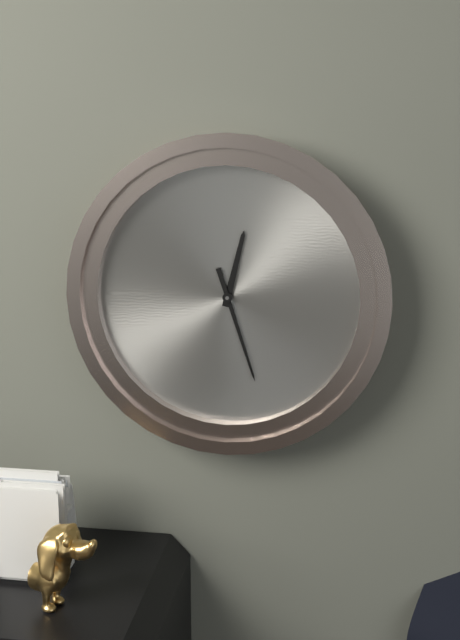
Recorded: {"hour": 12, "minute": 27}
